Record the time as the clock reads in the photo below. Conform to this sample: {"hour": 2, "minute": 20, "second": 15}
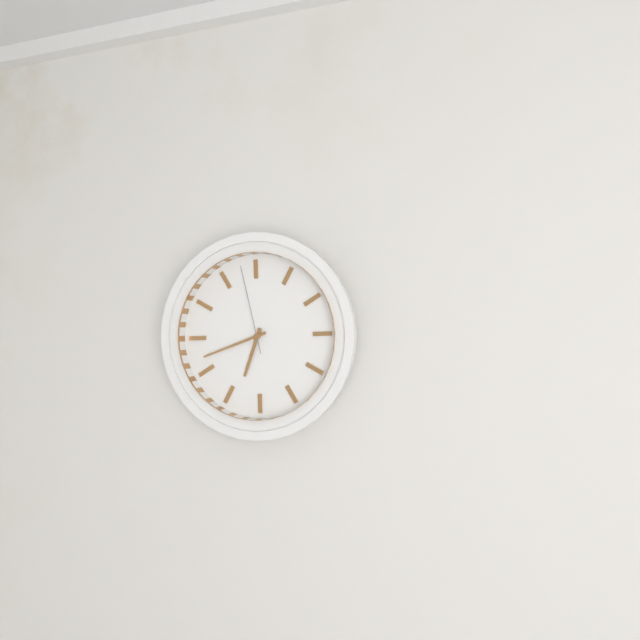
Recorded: {"hour": 6, "minute": 42, "second": 58}
